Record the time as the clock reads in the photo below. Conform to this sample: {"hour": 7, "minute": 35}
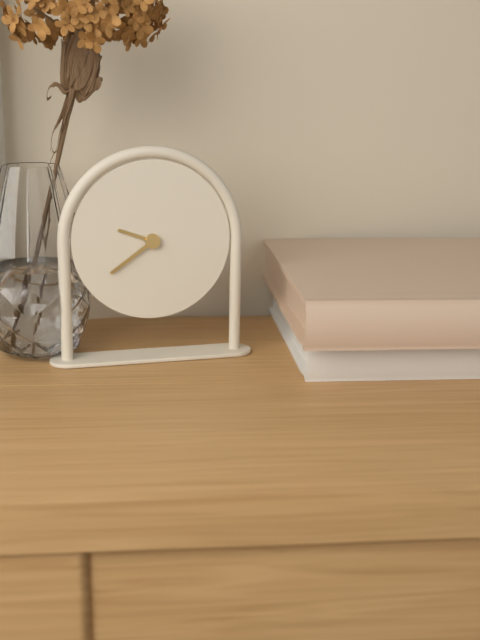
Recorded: {"hour": 9, "minute": 39}
